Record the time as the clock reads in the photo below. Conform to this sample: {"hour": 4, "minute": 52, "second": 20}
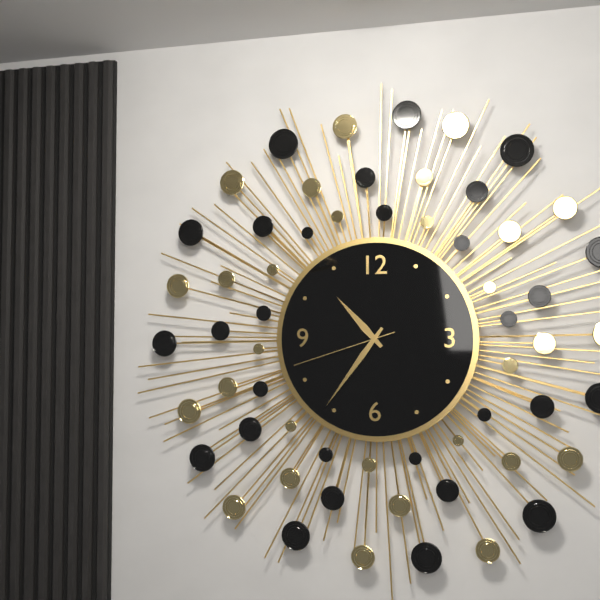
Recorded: {"hour": 10, "minute": 36, "second": 42}
